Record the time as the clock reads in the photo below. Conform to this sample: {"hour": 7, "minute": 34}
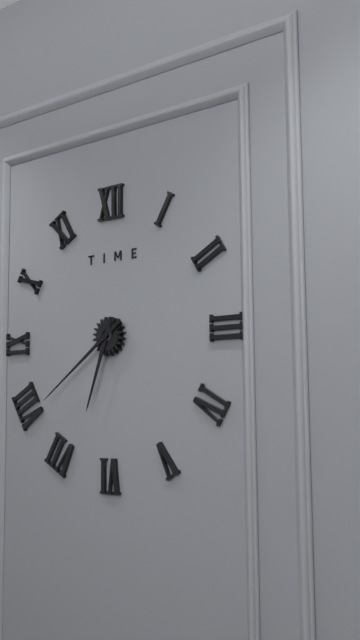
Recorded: {"hour": 6, "minute": 39}
